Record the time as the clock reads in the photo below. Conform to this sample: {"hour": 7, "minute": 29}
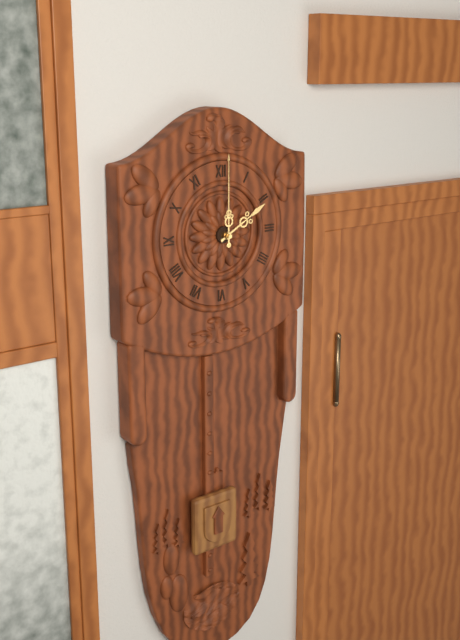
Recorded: {"hour": 2, "minute": 0}
